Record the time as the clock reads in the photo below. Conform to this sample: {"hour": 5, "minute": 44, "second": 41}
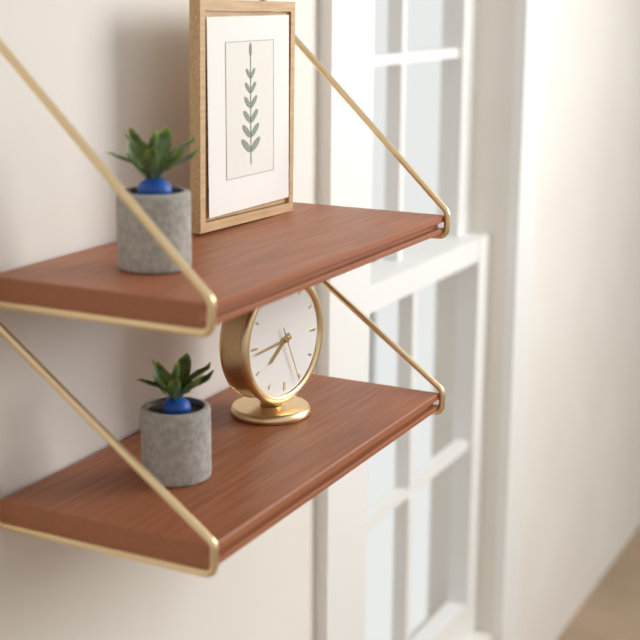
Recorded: {"hour": 7, "minute": 44, "second": 26}
